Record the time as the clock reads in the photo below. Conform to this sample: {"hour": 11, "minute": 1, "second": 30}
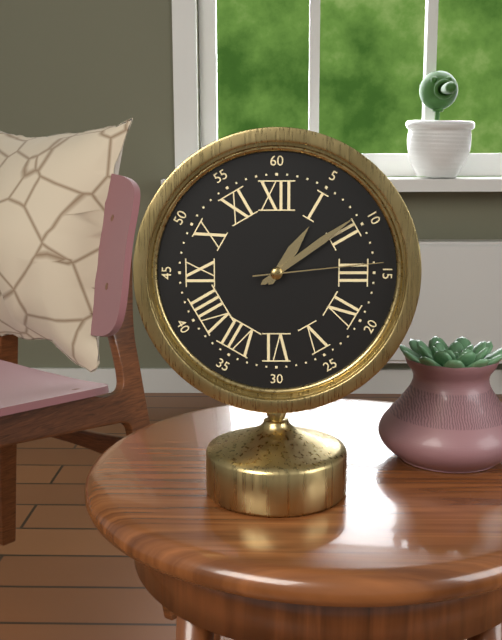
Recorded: {"hour": 1, "minute": 9, "second": 14}
